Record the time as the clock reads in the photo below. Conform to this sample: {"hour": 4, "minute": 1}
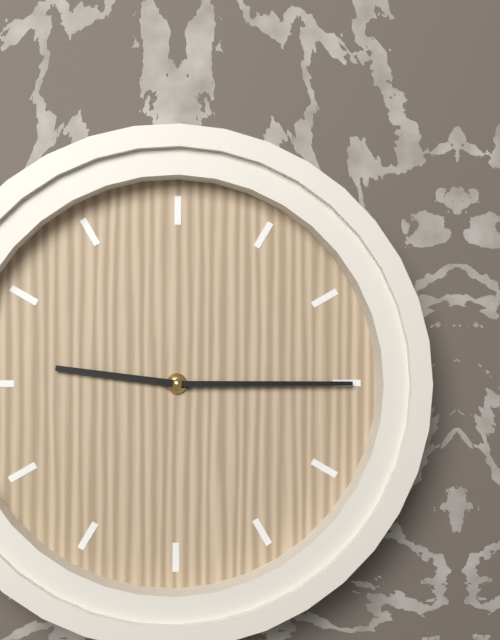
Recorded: {"hour": 9, "minute": 15}
